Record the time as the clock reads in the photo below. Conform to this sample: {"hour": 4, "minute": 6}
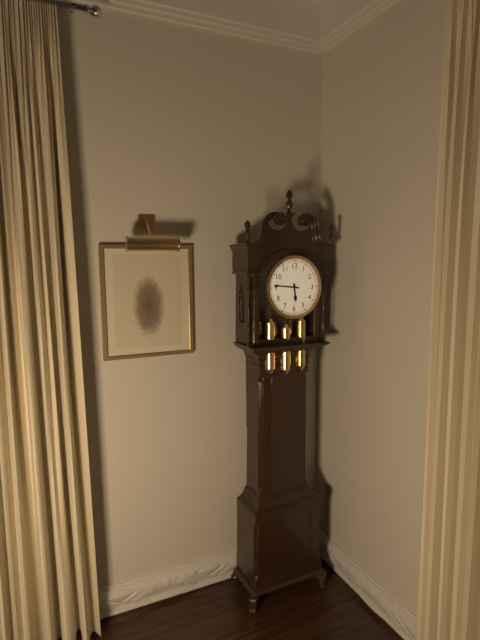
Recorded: {"hour": 5, "minute": 46}
